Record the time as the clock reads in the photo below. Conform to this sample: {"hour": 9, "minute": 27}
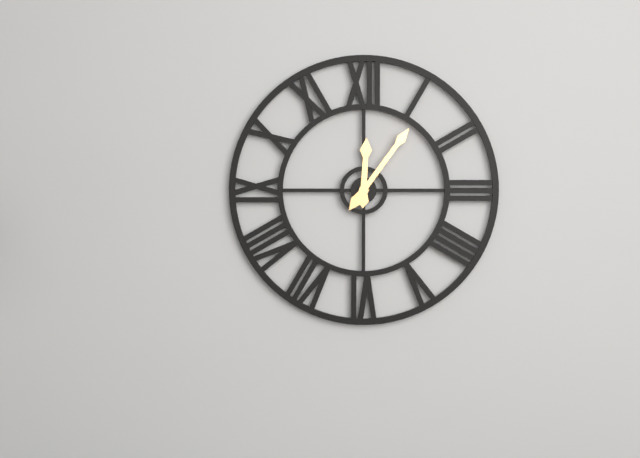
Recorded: {"hour": 12, "minute": 6}
